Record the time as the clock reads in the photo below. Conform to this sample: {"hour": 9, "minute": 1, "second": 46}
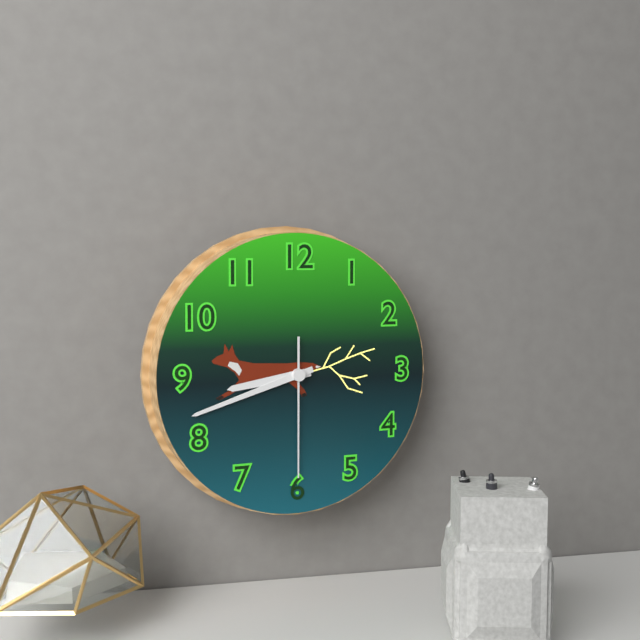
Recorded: {"hour": 8, "minute": 42, "second": 30}
